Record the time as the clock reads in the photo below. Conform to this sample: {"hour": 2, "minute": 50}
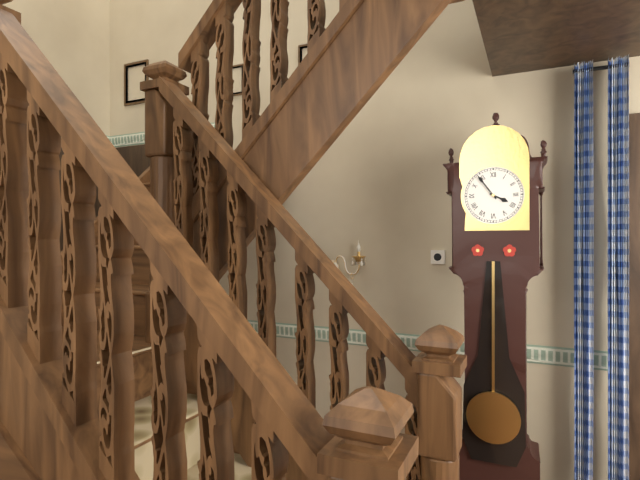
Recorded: {"hour": 3, "minute": 54}
